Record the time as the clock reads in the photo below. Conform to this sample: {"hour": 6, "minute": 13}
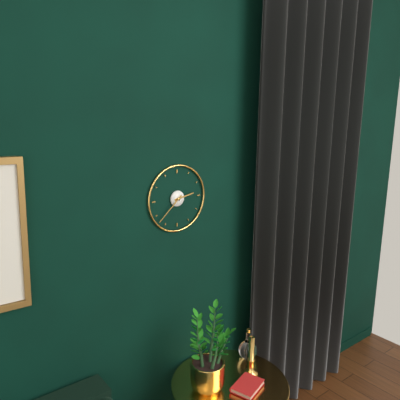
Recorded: {"hour": 2, "minute": 38}
